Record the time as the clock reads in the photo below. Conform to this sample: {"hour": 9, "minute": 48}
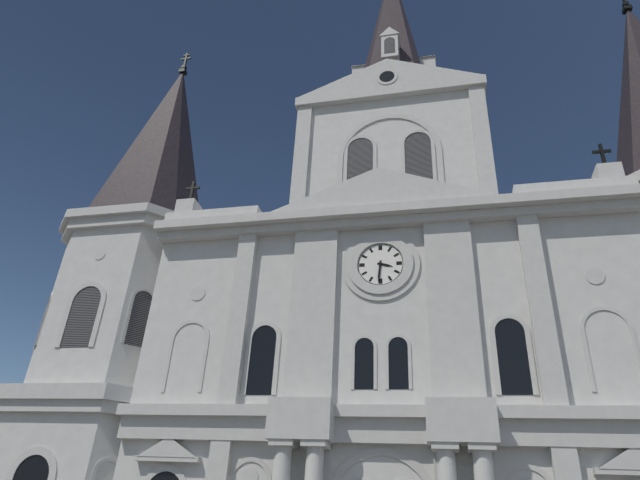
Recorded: {"hour": 3, "minute": 31}
